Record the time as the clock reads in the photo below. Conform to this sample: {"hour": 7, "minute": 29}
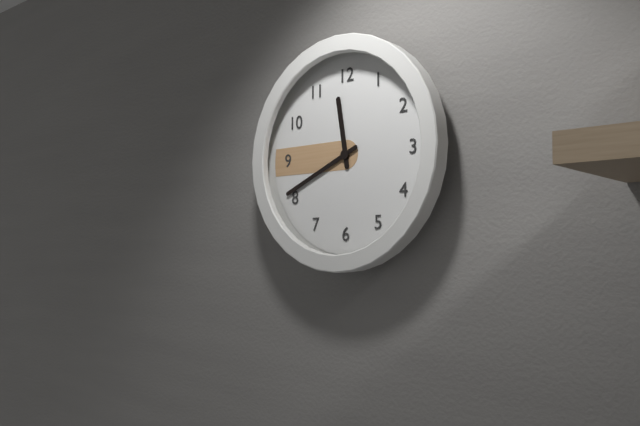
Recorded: {"hour": 11, "minute": 41}
